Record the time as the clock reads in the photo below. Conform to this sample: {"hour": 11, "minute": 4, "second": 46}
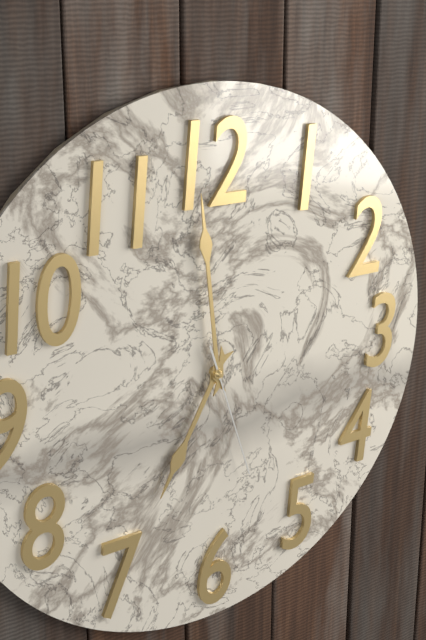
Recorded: {"hour": 6, "minute": 59, "second": 27}
